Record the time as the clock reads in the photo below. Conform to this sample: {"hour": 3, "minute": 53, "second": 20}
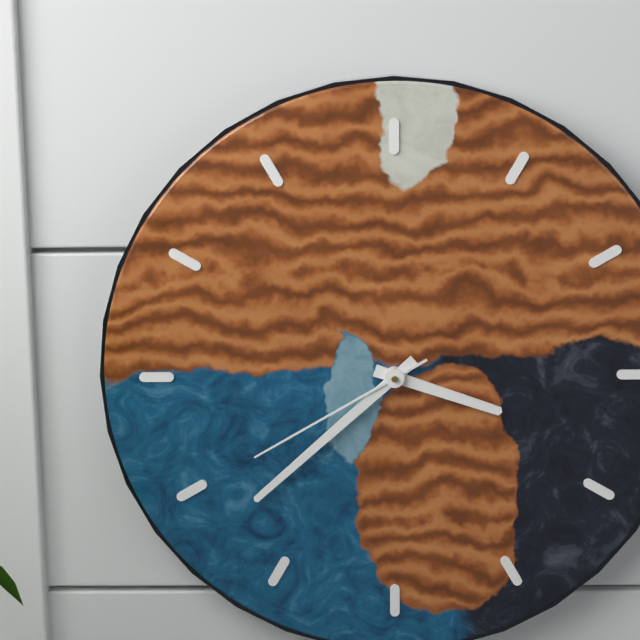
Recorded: {"hour": 3, "minute": 38, "second": 40}
